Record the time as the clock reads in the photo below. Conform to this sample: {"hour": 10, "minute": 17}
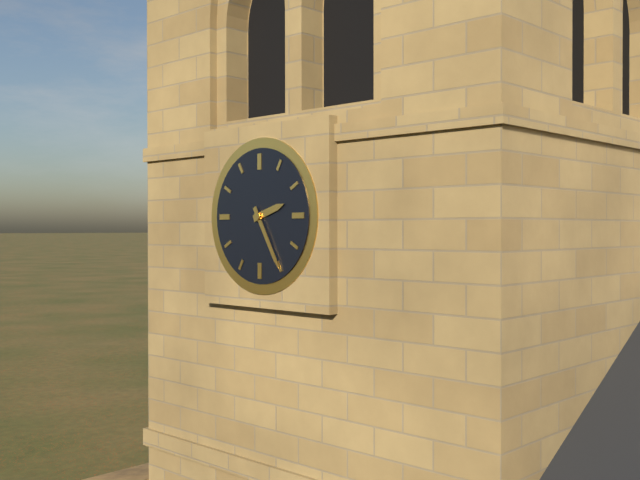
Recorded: {"hour": 2, "minute": 25}
